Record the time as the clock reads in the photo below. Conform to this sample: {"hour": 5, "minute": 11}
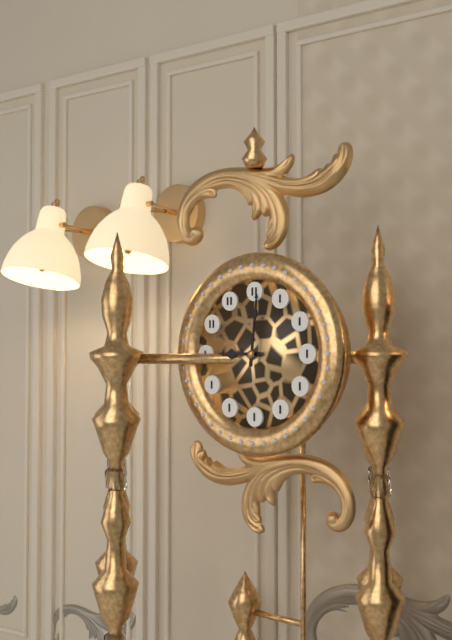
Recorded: {"hour": 9, "minute": 1}
